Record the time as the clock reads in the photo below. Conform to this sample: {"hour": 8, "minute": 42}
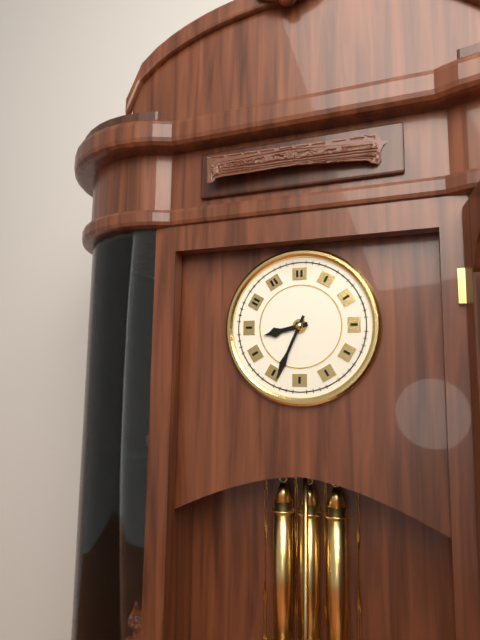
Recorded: {"hour": 8, "minute": 34}
